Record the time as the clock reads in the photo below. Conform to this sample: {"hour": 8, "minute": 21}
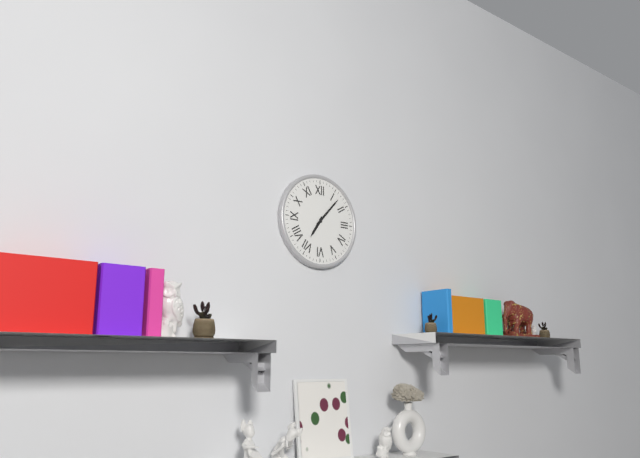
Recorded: {"hour": 7, "minute": 7}
